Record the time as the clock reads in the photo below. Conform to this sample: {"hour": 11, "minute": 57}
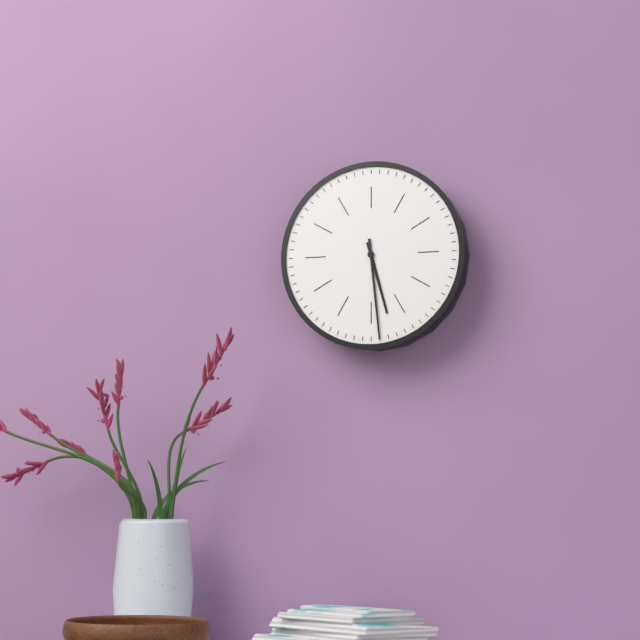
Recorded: {"hour": 5, "minute": 29}
